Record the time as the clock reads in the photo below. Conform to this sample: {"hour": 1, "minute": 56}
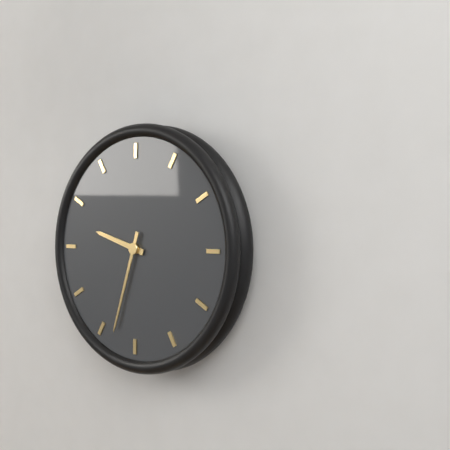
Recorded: {"hour": 9, "minute": 33}
